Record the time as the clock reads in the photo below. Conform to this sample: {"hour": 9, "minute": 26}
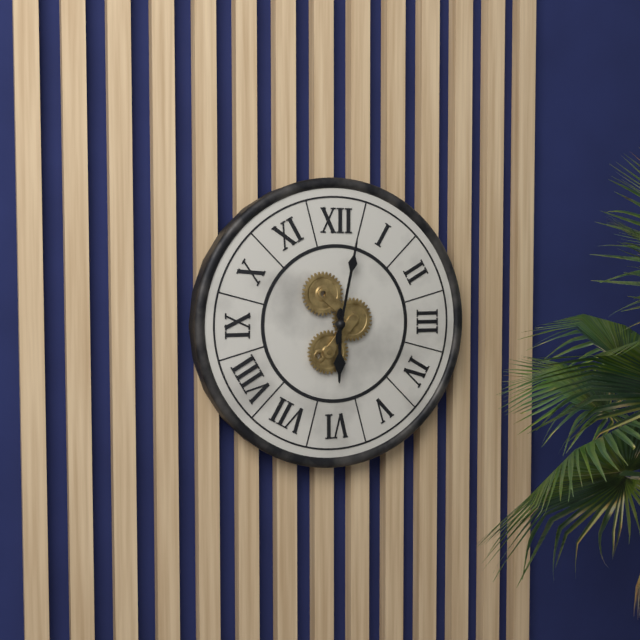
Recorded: {"hour": 6, "minute": 2}
